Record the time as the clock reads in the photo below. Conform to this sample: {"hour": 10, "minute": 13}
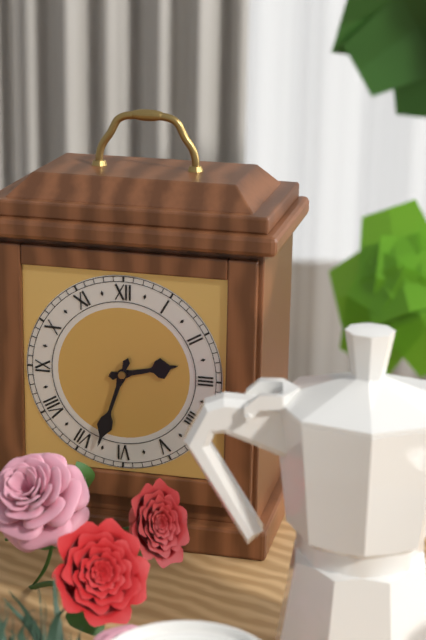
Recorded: {"hour": 2, "minute": 33}
